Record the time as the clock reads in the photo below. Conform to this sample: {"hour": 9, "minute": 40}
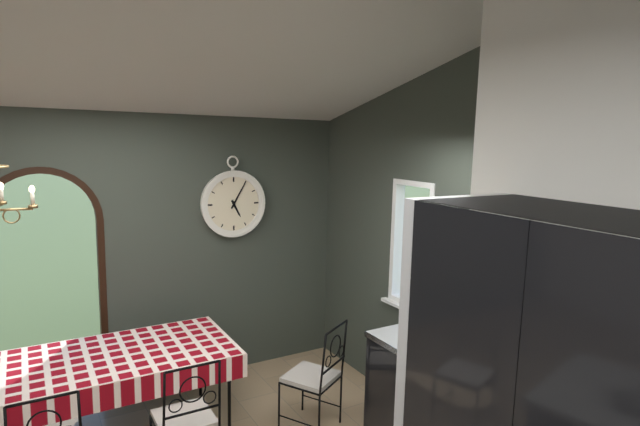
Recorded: {"hour": 5, "minute": 5}
